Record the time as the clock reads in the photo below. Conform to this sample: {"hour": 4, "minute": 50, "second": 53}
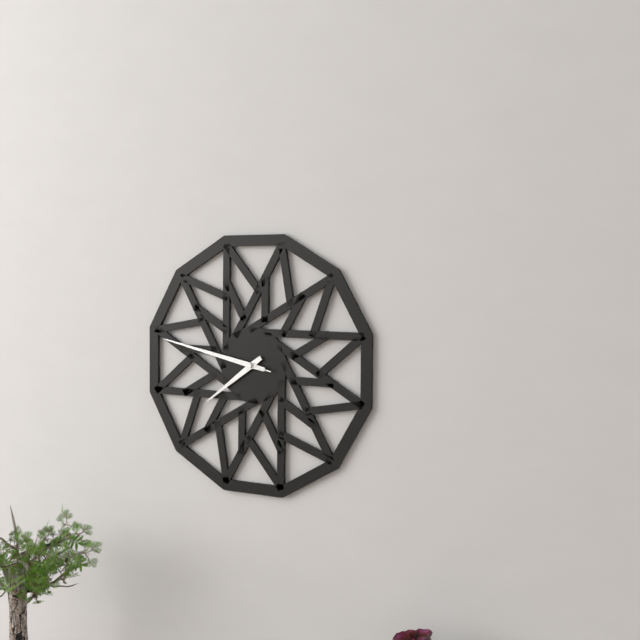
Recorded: {"hour": 7, "minute": 47, "second": 47}
